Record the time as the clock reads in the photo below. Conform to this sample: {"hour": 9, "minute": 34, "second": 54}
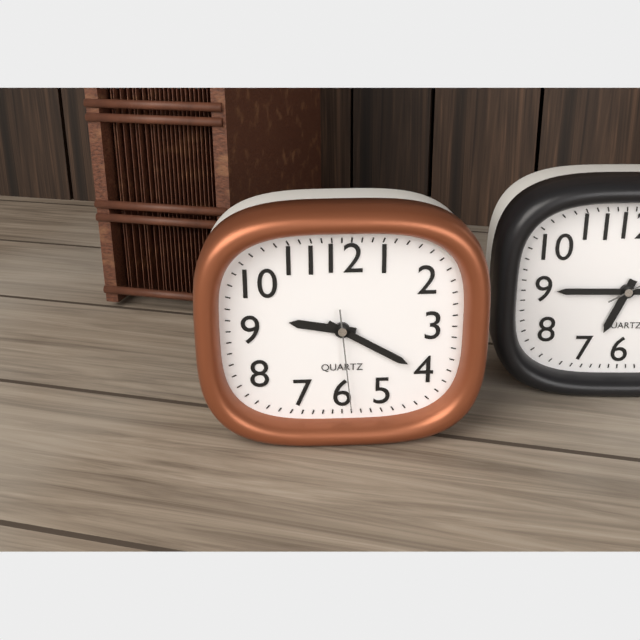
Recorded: {"hour": 9, "minute": 20, "second": 29}
